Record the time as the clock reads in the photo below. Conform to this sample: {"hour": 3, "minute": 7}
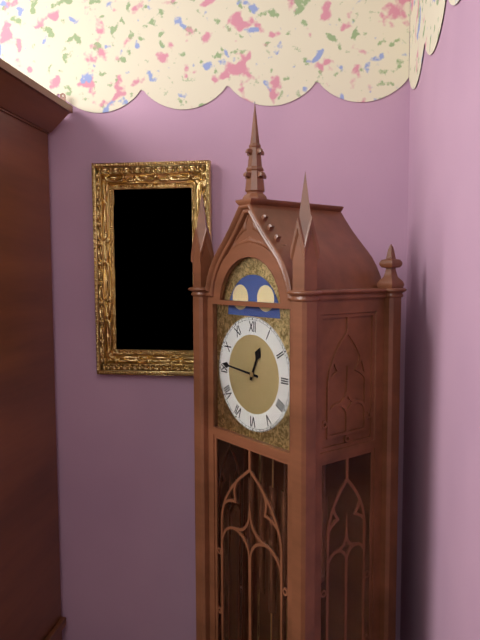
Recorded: {"hour": 12, "minute": 46}
